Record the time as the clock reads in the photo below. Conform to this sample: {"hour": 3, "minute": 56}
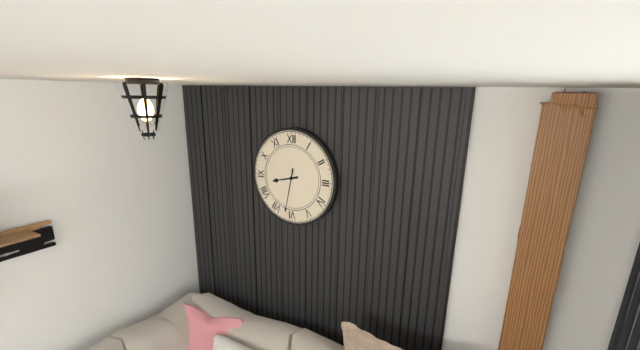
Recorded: {"hour": 8, "minute": 32}
